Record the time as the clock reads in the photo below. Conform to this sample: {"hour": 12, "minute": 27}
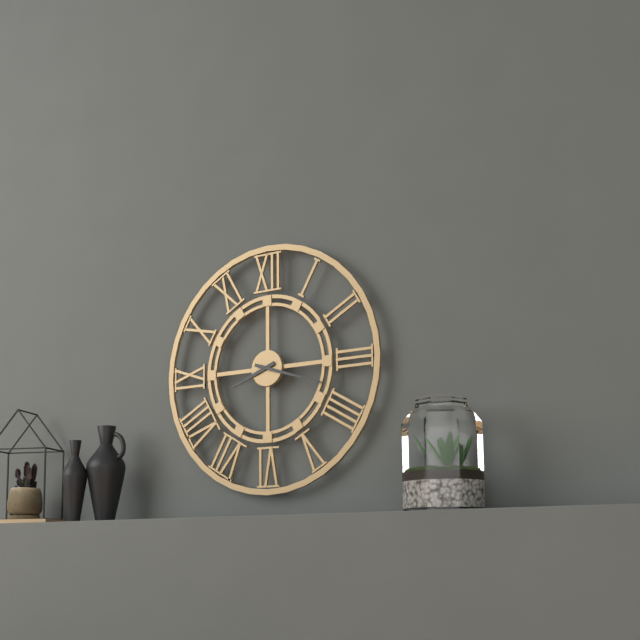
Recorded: {"hour": 8, "minute": 18}
